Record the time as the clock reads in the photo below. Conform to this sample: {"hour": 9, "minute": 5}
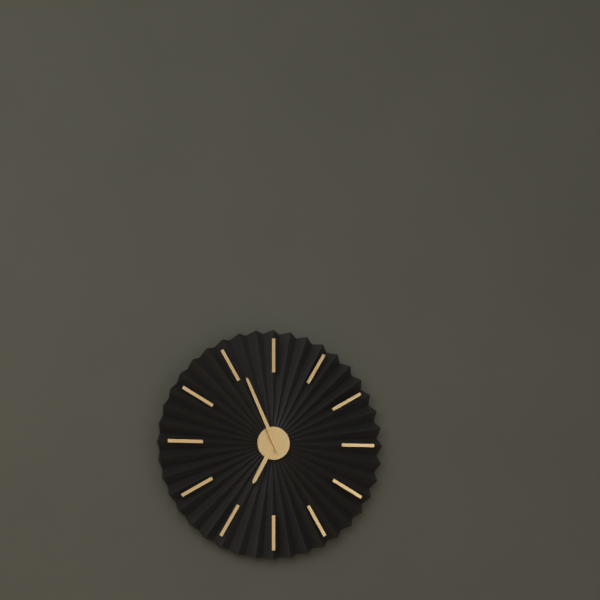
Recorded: {"hour": 6, "minute": 56}
